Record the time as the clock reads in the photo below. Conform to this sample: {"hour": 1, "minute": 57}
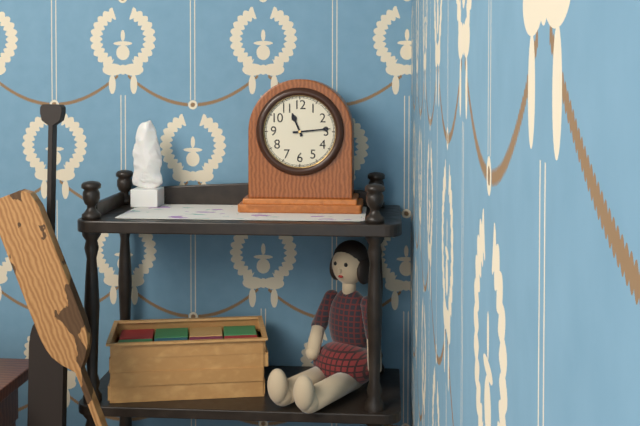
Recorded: {"hour": 11, "minute": 14}
